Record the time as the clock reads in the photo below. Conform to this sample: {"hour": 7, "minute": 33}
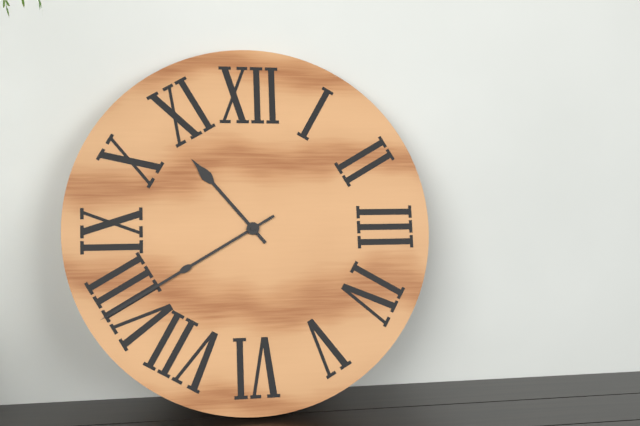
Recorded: {"hour": 10, "minute": 40}
